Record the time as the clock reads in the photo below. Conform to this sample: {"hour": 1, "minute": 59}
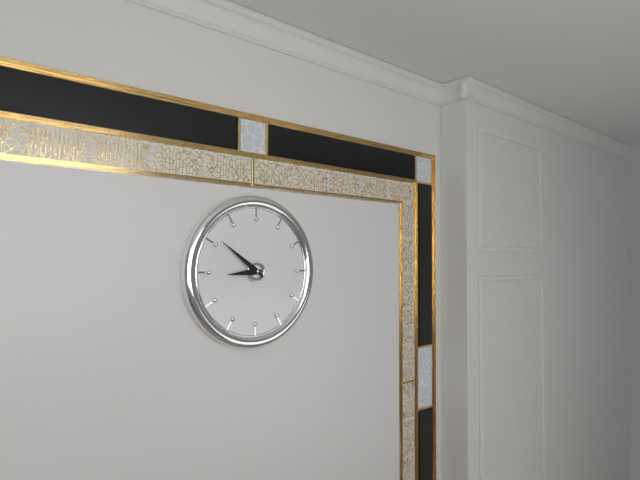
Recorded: {"hour": 8, "minute": 51}
